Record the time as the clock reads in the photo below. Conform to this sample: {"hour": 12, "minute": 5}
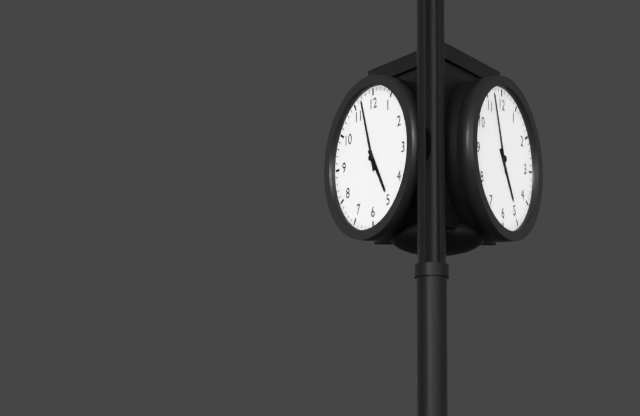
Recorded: {"hour": 4, "minute": 57}
